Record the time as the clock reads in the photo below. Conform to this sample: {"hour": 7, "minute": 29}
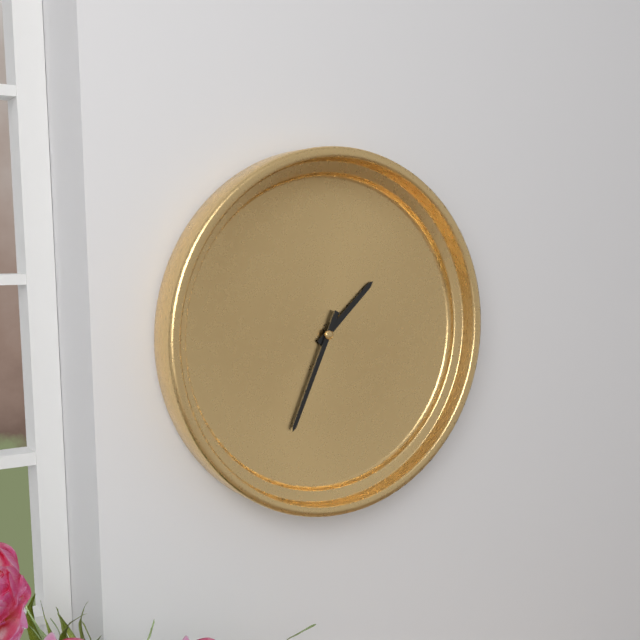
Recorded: {"hour": 1, "minute": 34}
